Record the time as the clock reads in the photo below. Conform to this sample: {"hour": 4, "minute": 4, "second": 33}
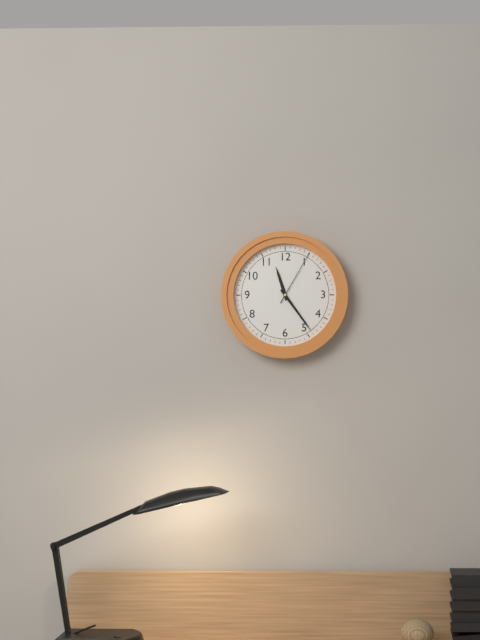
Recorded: {"hour": 11, "minute": 24, "second": 5}
